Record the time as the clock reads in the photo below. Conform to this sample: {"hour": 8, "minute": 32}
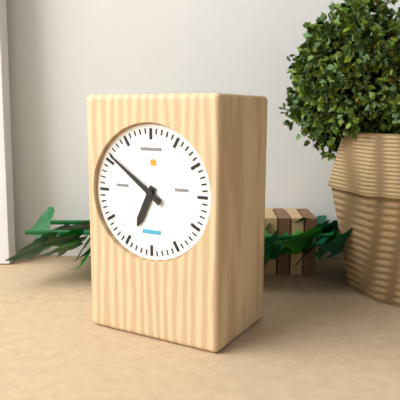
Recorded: {"hour": 6, "minute": 51}
